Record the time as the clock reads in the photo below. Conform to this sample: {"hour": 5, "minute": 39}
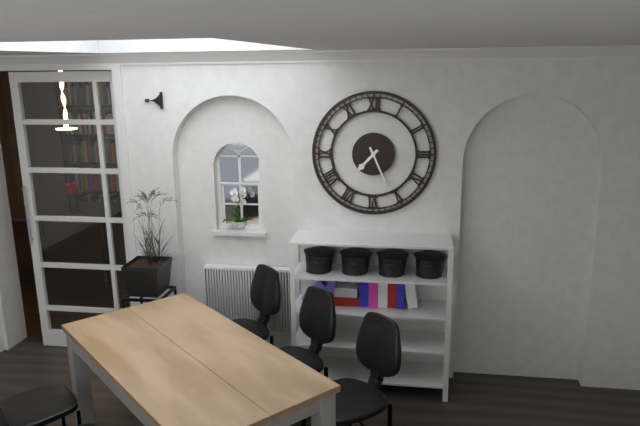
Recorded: {"hour": 7, "minute": 26}
